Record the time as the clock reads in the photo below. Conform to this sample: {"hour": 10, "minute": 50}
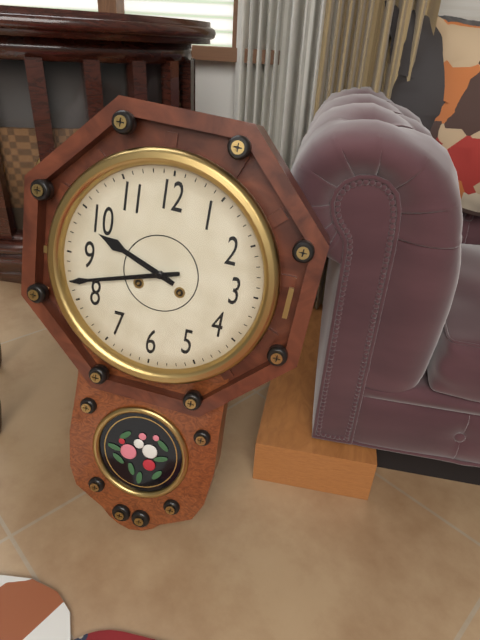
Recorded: {"hour": 9, "minute": 42}
